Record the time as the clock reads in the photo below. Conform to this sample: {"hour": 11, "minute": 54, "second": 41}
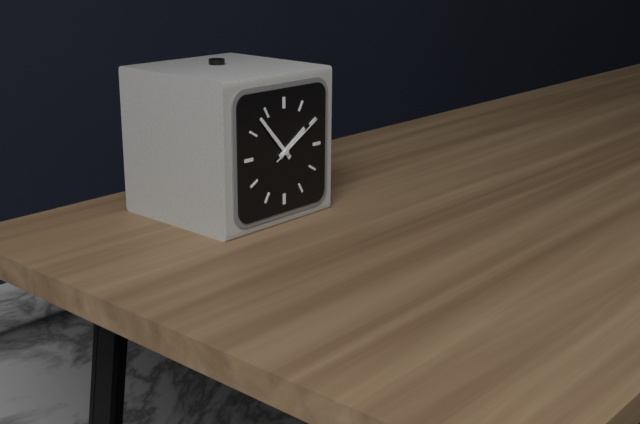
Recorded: {"hour": 1, "minute": 53, "second": 10}
